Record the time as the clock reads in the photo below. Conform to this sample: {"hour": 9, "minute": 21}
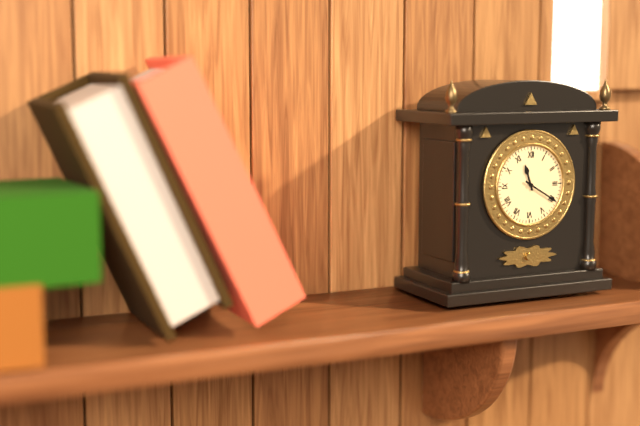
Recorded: {"hour": 11, "minute": 20}
